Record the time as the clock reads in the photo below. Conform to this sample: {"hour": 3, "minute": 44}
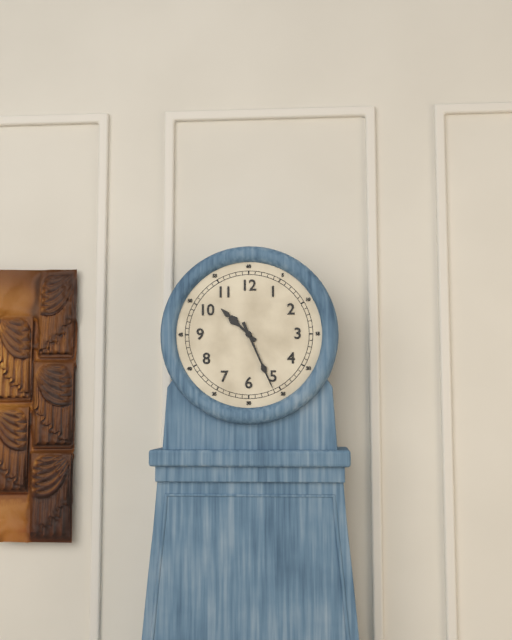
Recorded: {"hour": 10, "minute": 26}
